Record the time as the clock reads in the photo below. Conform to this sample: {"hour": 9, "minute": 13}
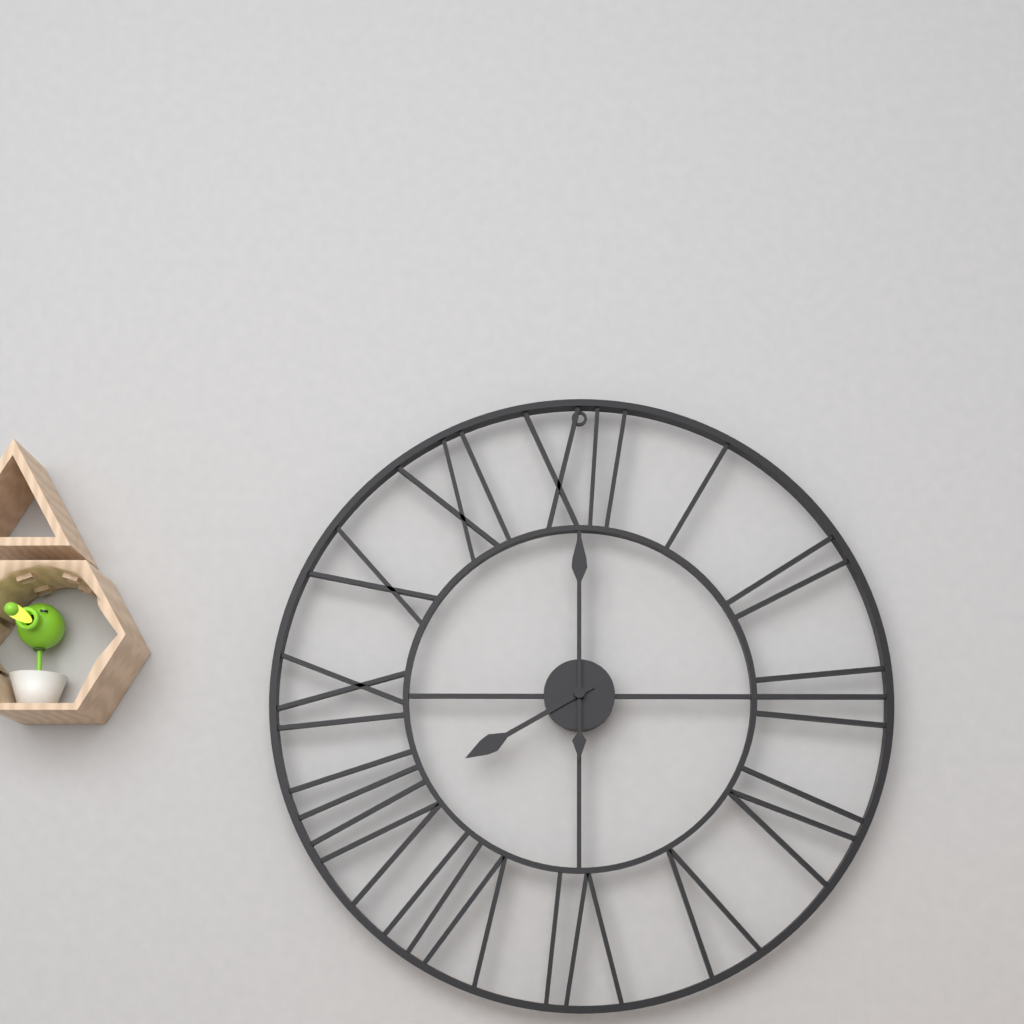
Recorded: {"hour": 8, "minute": 0}
